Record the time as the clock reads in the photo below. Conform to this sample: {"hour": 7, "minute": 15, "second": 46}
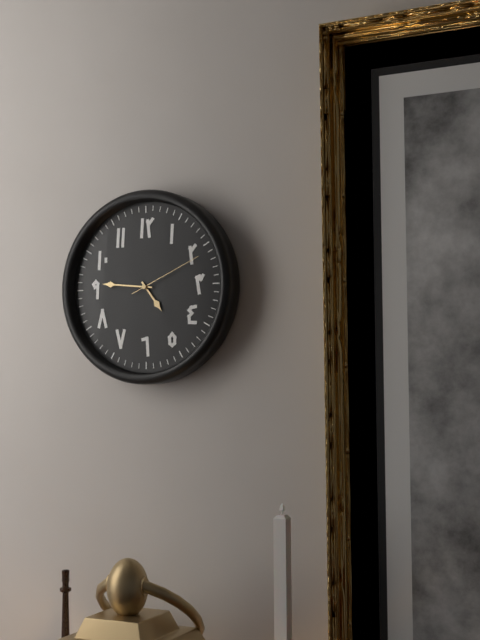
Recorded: {"hour": 4, "minute": 46, "second": 11}
